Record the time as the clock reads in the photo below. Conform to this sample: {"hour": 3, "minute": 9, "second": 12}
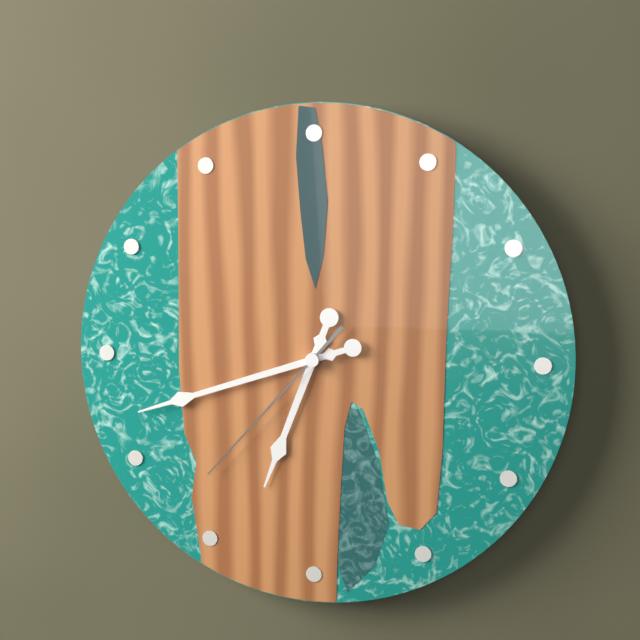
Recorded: {"hour": 6, "minute": 42, "second": 37}
